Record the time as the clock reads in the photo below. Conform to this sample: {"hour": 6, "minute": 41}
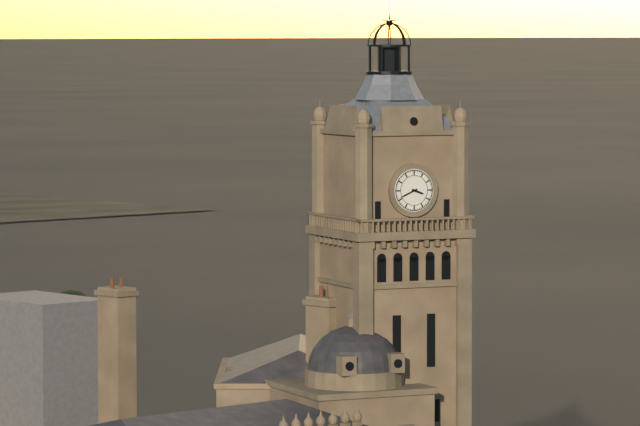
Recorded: {"hour": 3, "minute": 41}
